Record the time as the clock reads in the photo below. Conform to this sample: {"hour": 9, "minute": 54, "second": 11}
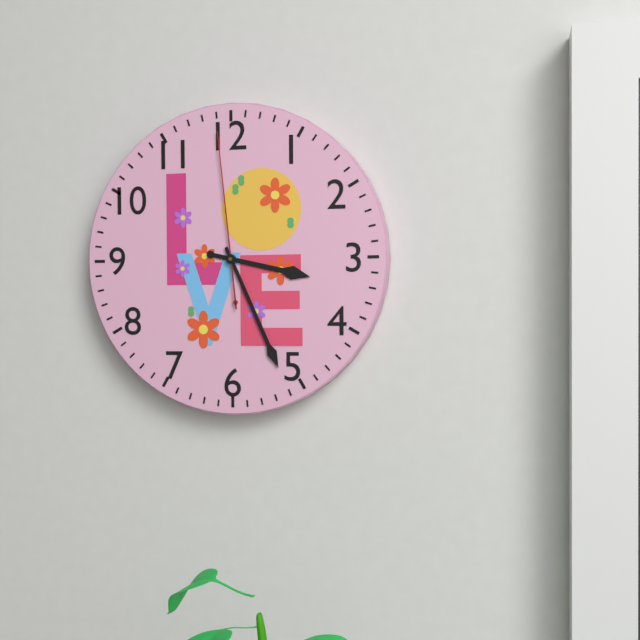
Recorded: {"hour": 3, "minute": 26, "second": 59}
